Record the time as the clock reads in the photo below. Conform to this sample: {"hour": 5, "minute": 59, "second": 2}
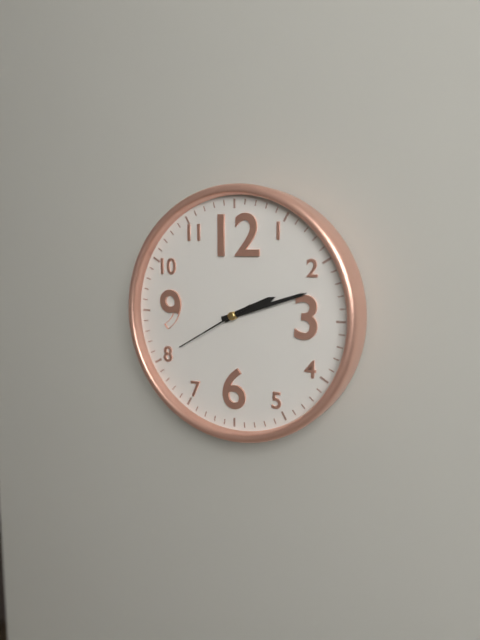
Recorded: {"hour": 2, "minute": 12, "second": 40}
